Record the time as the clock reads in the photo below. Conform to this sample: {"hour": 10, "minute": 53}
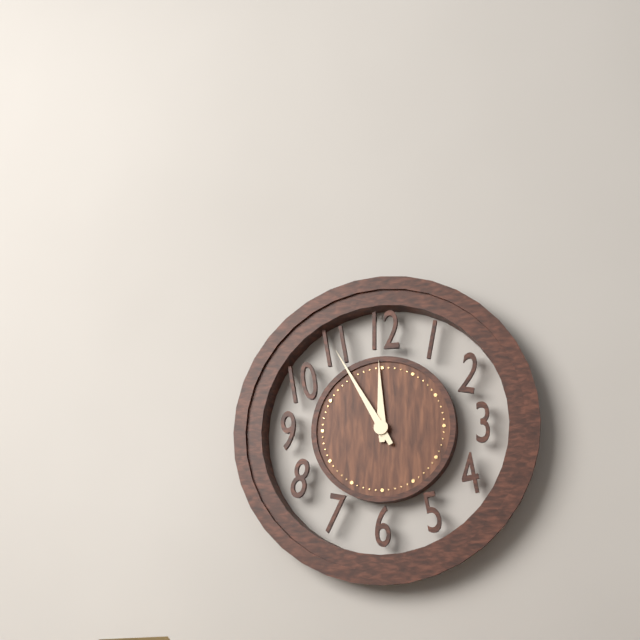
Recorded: {"hour": 11, "minute": 55}
